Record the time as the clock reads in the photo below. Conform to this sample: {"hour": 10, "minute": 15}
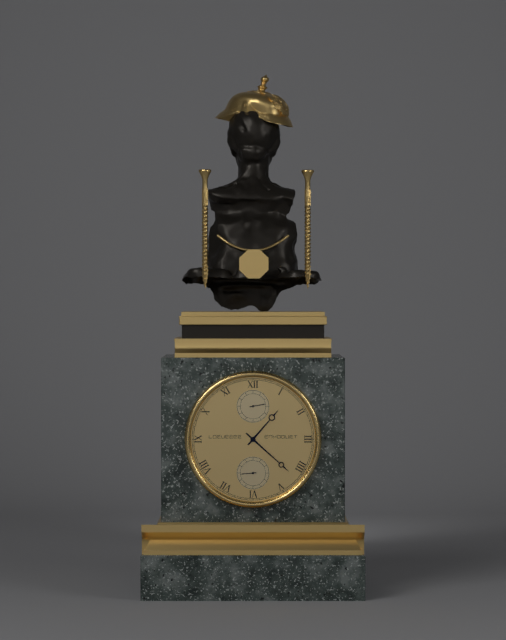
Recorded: {"hour": 1, "minute": 22}
